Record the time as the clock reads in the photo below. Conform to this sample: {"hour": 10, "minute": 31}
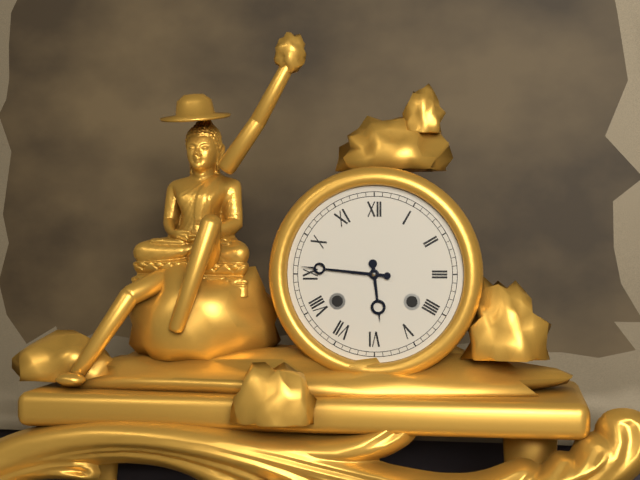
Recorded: {"hour": 5, "minute": 46}
